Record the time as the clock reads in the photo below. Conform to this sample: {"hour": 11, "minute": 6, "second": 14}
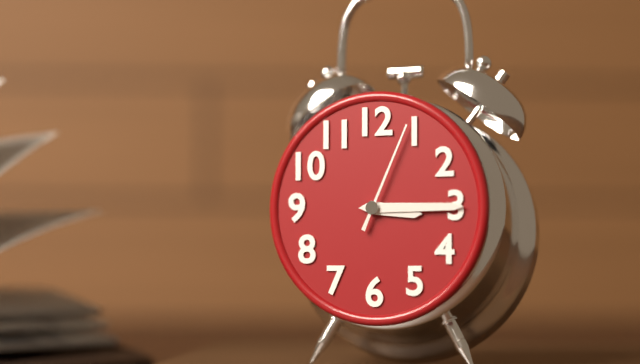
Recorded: {"hour": 3, "minute": 15, "second": 4}
